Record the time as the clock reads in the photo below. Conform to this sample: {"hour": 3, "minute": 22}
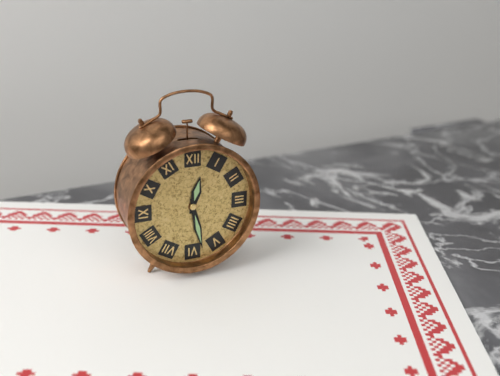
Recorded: {"hour": 12, "minute": 28}
